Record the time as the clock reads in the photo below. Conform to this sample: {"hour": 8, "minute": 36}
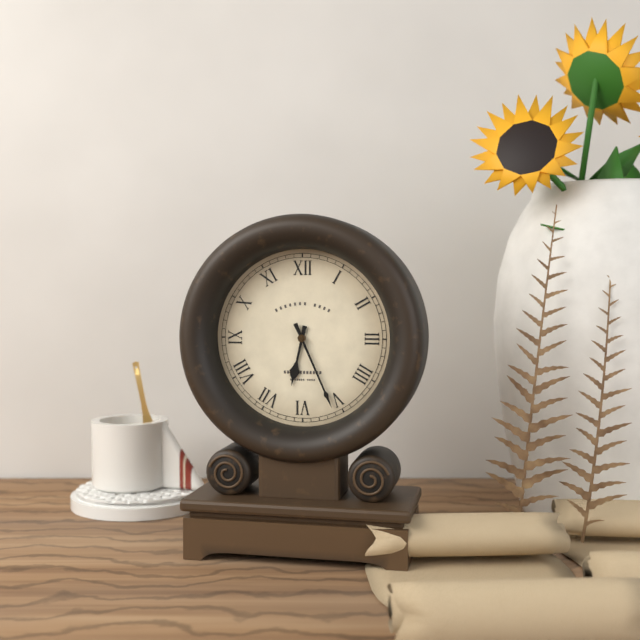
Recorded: {"hour": 6, "minute": 26}
